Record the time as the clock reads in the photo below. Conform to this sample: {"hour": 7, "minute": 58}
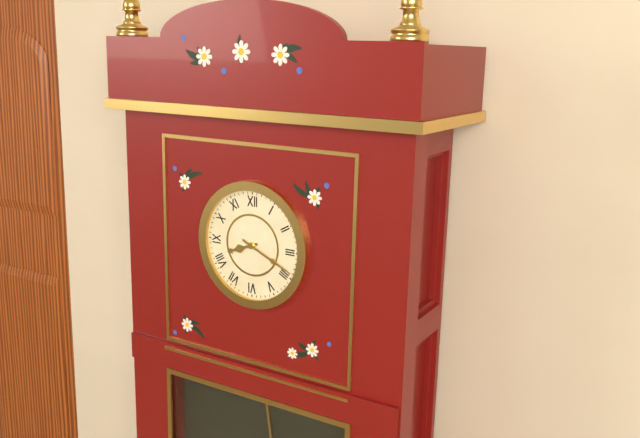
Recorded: {"hour": 8, "minute": 19}
